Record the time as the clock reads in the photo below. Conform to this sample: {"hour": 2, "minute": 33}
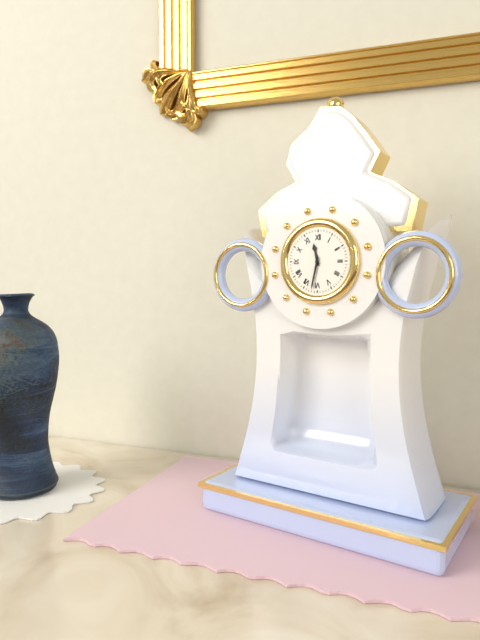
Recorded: {"hour": 11, "minute": 32}
